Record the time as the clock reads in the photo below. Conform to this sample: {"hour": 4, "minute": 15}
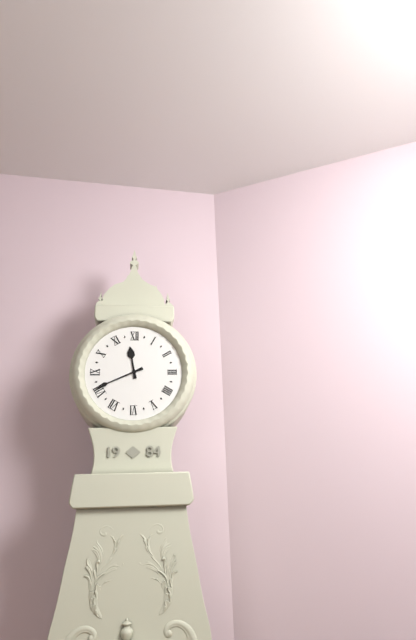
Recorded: {"hour": 11, "minute": 41}
